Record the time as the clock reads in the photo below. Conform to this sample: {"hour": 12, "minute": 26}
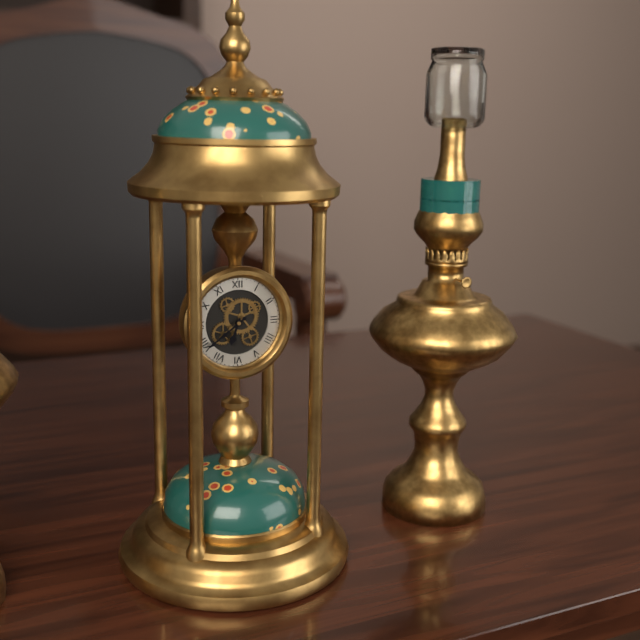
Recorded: {"hour": 6, "minute": 39}
